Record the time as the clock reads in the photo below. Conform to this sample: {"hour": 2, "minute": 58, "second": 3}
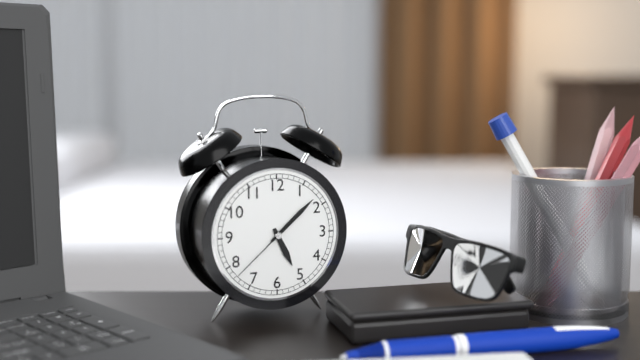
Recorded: {"hour": 5, "minute": 8, "second": 38}
